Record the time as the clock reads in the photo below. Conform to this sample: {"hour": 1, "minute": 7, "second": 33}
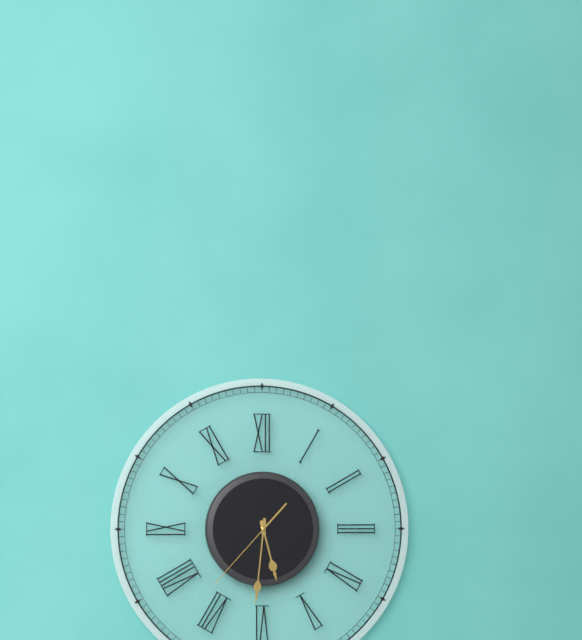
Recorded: {"hour": 5, "minute": 31, "second": 37}
